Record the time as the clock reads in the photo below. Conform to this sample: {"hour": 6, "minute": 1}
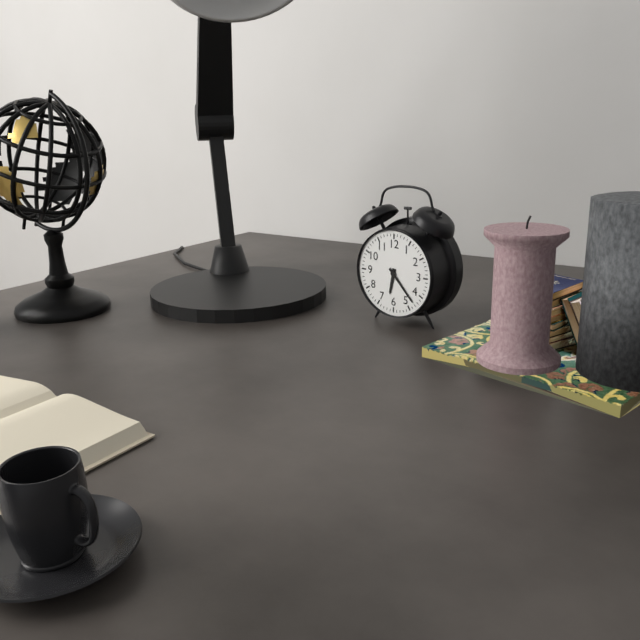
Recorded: {"hour": 6, "minute": 23}
